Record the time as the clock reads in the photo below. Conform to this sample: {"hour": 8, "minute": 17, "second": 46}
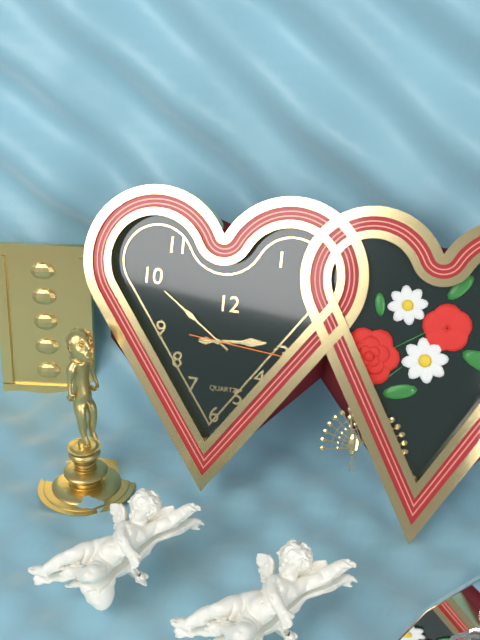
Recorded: {"hour": 2, "minute": 51, "second": 16}
